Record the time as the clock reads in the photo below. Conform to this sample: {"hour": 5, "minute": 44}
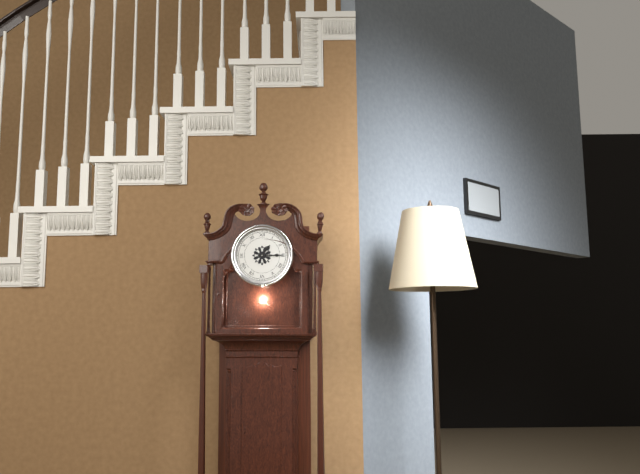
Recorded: {"hour": 1, "minute": 15}
